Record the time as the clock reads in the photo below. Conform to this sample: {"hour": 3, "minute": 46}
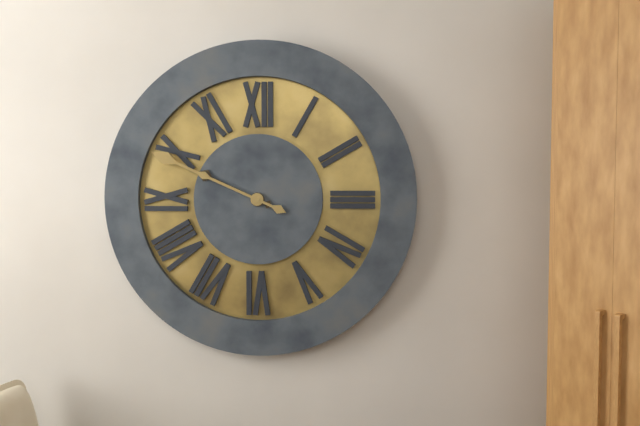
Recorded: {"hour": 9, "minute": 49}
